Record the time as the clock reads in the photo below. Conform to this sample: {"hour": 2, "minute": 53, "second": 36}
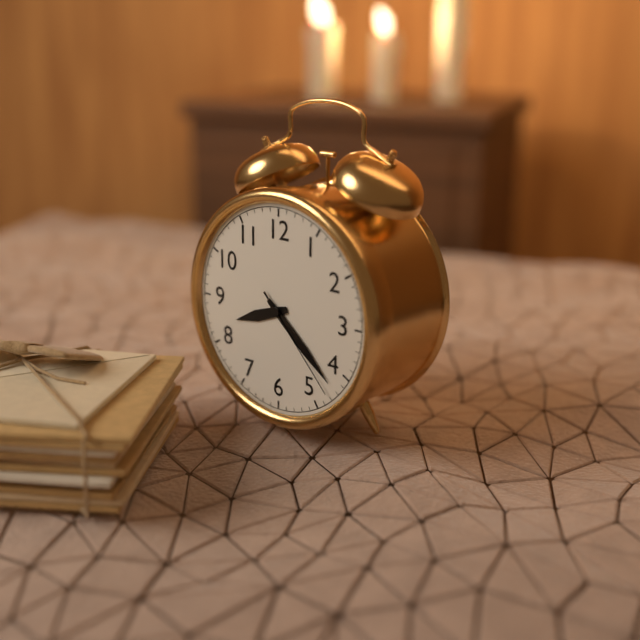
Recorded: {"hour": 8, "minute": 22, "second": 23}
